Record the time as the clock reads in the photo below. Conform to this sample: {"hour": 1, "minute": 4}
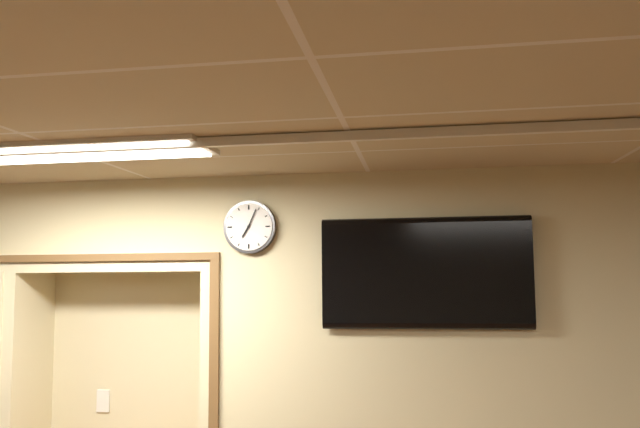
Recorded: {"hour": 7, "minute": 4}
